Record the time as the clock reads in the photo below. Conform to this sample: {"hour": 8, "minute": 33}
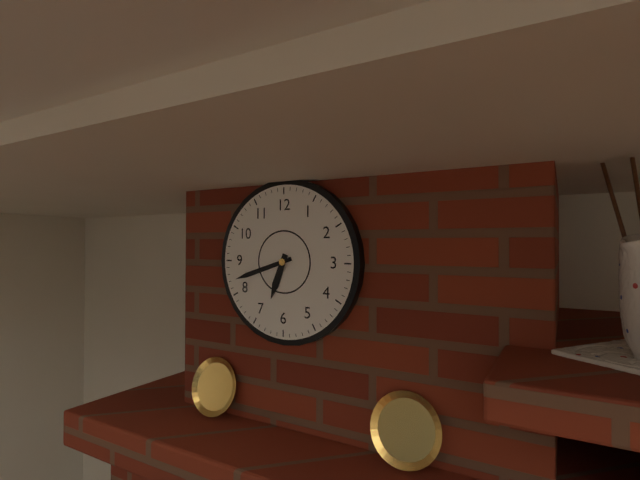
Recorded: {"hour": 6, "minute": 42}
